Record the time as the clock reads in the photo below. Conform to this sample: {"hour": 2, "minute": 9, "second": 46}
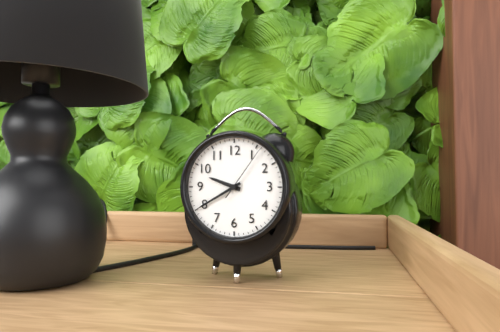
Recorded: {"hour": 9, "minute": 40, "second": 6}
